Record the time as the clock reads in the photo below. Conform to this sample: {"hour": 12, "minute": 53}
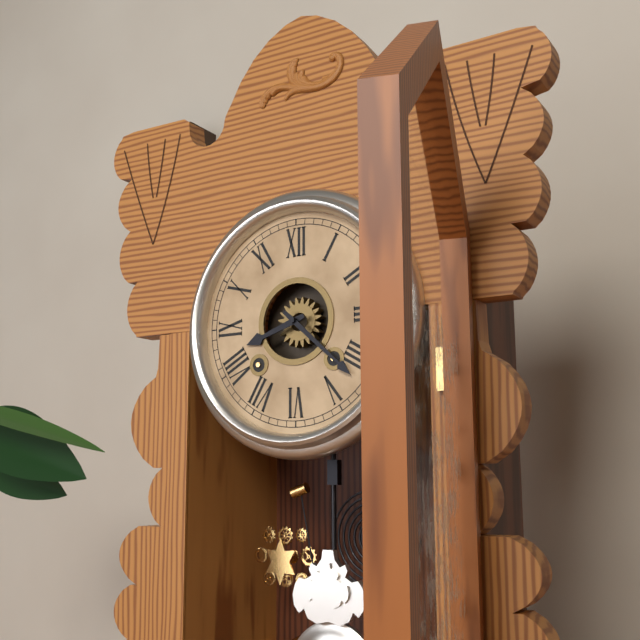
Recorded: {"hour": 8, "minute": 22}
